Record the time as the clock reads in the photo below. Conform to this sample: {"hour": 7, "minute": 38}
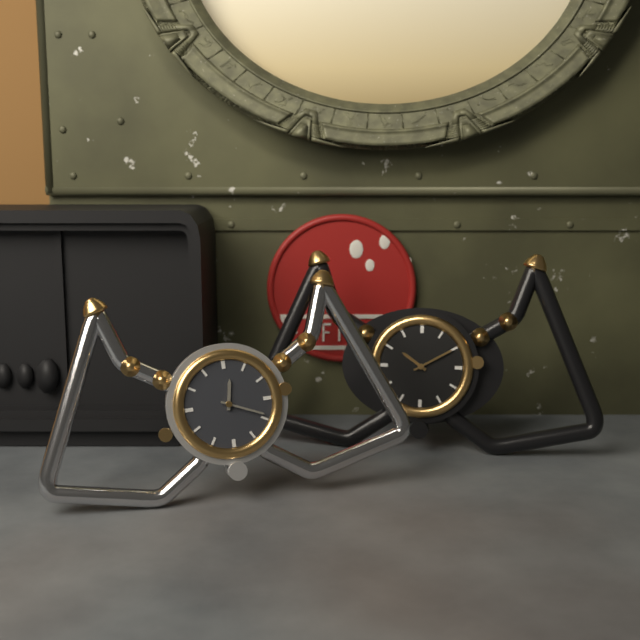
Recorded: {"hour": 12, "minute": 19}
